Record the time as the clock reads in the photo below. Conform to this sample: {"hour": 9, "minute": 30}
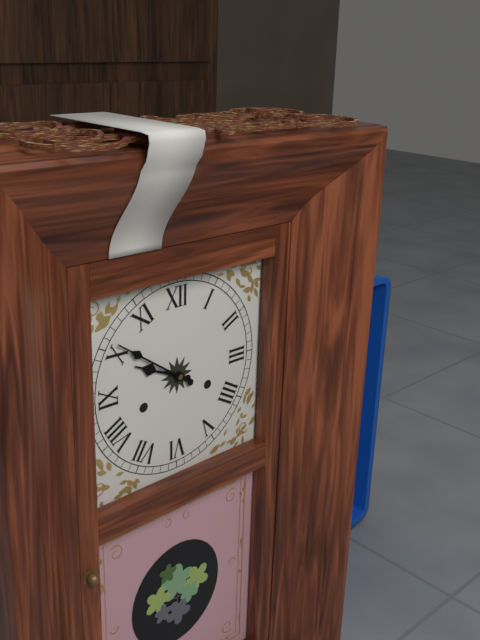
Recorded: {"hour": 9, "minute": 51}
